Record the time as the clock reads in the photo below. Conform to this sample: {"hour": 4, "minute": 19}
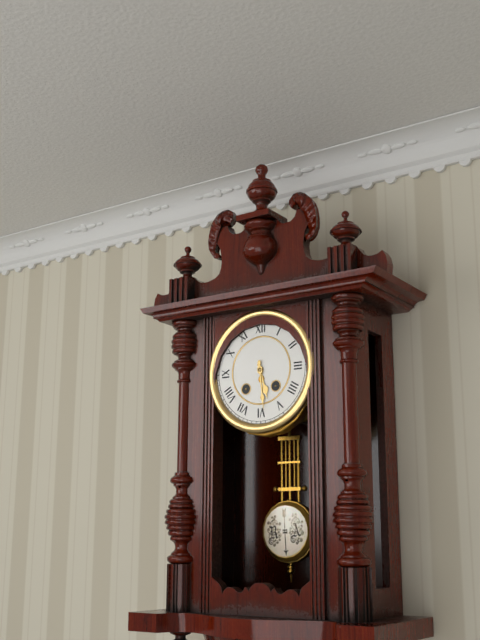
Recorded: {"hour": 5, "minute": 29}
